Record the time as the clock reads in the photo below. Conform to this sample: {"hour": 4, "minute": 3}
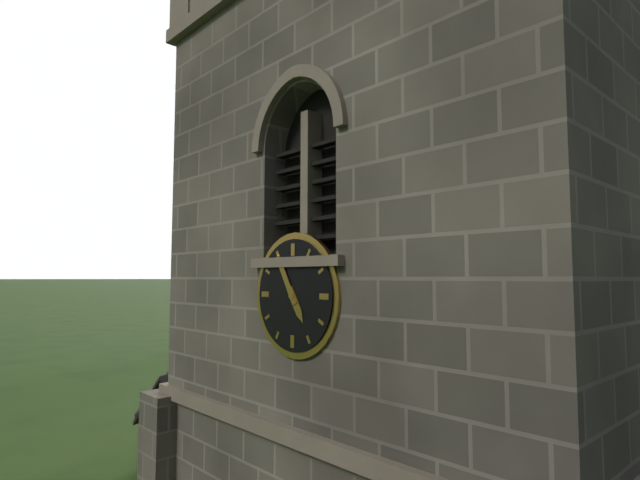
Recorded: {"hour": 4, "minute": 55}
